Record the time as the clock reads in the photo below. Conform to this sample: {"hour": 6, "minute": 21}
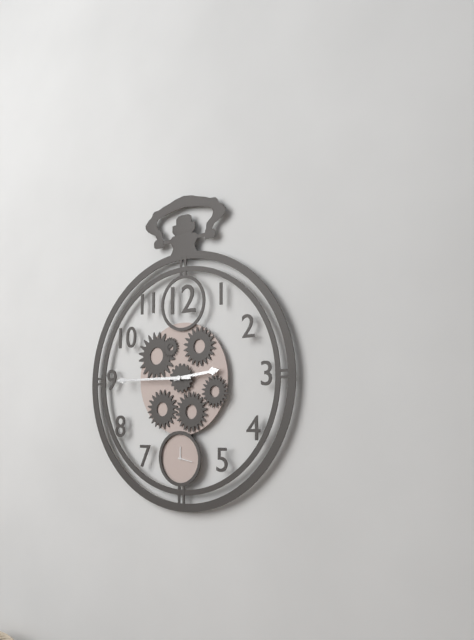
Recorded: {"hour": 2, "minute": 45}
